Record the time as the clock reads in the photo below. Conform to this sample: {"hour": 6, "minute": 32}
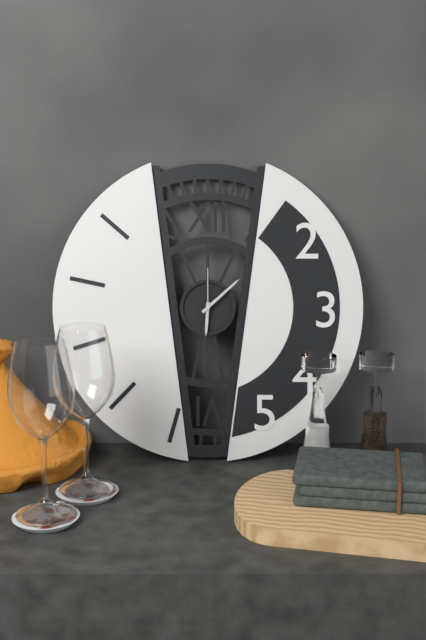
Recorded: {"hour": 6, "minute": 8}
